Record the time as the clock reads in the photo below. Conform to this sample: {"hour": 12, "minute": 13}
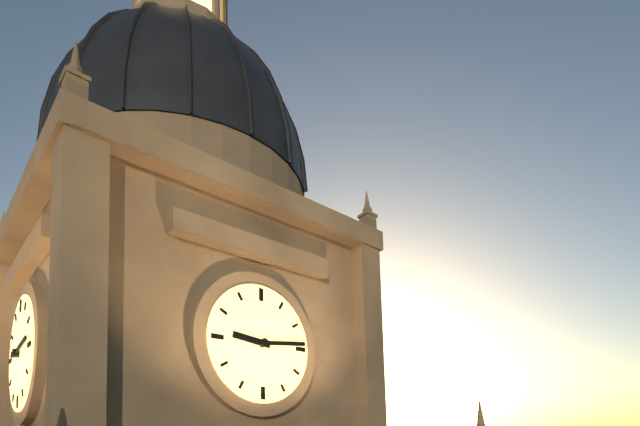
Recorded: {"hour": 9, "minute": 14}
